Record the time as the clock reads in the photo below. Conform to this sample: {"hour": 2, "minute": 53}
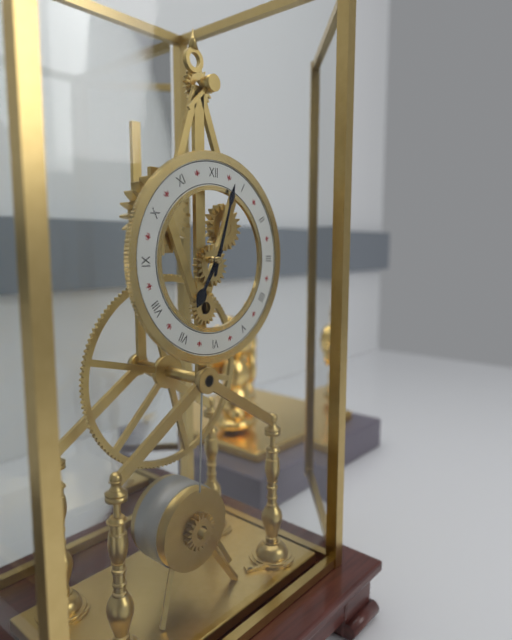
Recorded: {"hour": 7, "minute": 3}
